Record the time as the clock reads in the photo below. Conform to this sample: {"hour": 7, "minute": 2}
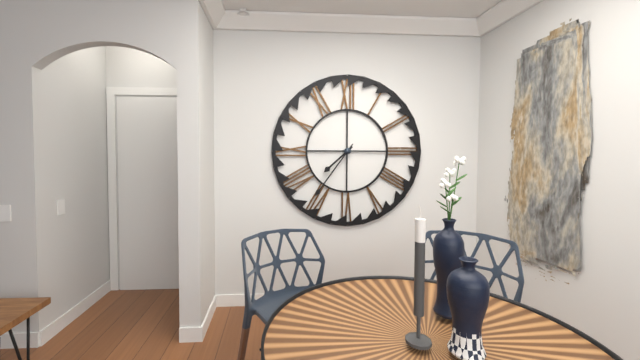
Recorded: {"hour": 7, "minute": 36}
